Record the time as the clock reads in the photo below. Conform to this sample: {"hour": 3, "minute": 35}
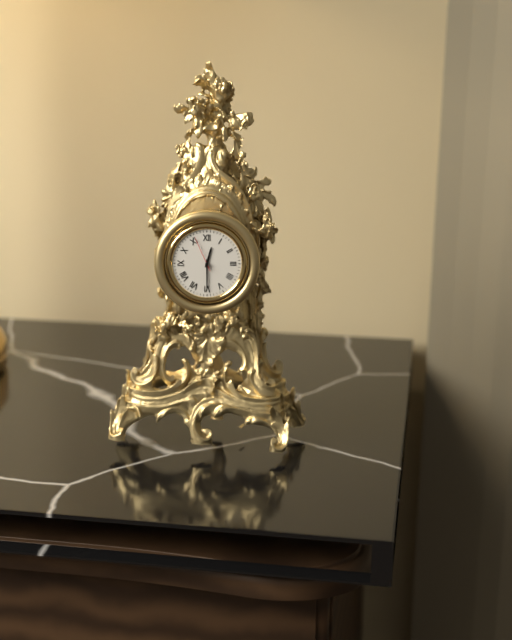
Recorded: {"hour": 12, "minute": 30}
